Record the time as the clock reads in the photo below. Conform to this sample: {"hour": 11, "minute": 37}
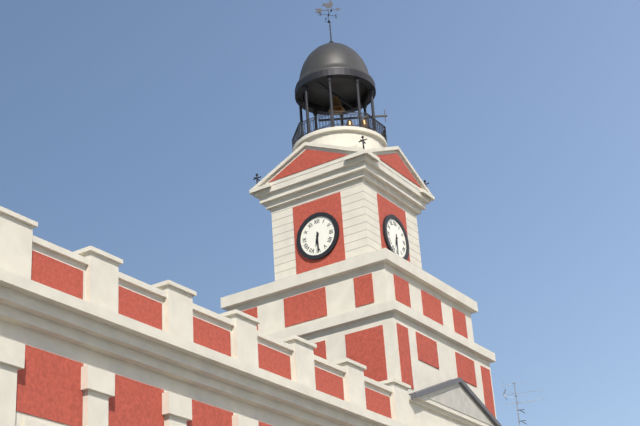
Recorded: {"hour": 6, "minute": 30}
